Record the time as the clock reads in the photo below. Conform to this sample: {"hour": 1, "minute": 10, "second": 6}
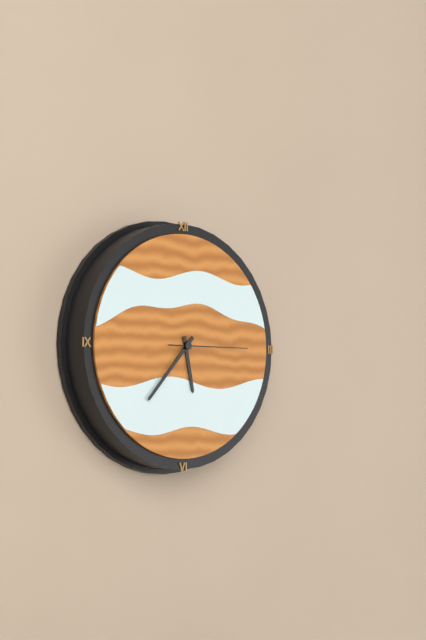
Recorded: {"hour": 5, "minute": 37, "second": 15}
